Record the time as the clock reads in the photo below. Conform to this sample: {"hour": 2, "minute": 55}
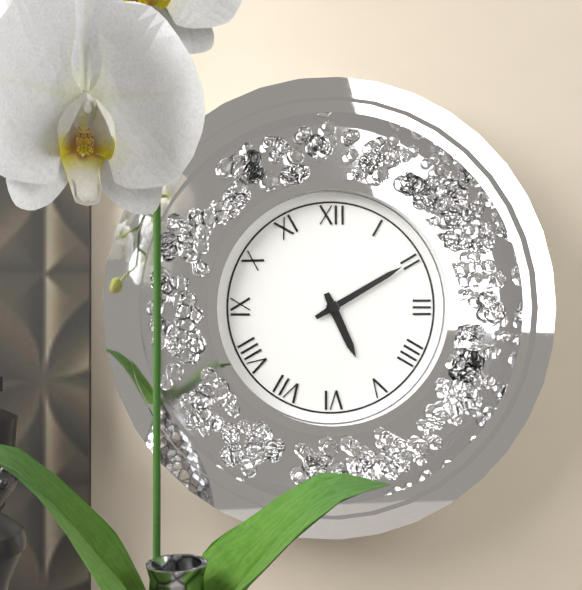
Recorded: {"hour": 5, "minute": 10}
